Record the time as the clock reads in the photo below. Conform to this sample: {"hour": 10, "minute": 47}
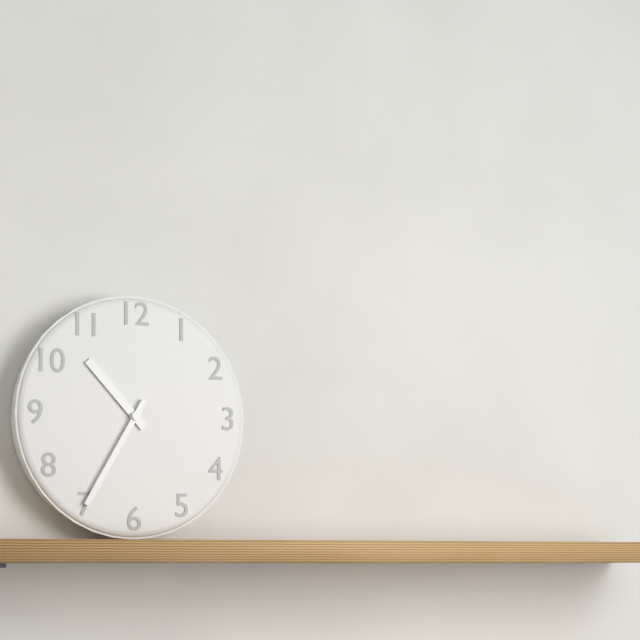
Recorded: {"hour": 10, "minute": 35}
